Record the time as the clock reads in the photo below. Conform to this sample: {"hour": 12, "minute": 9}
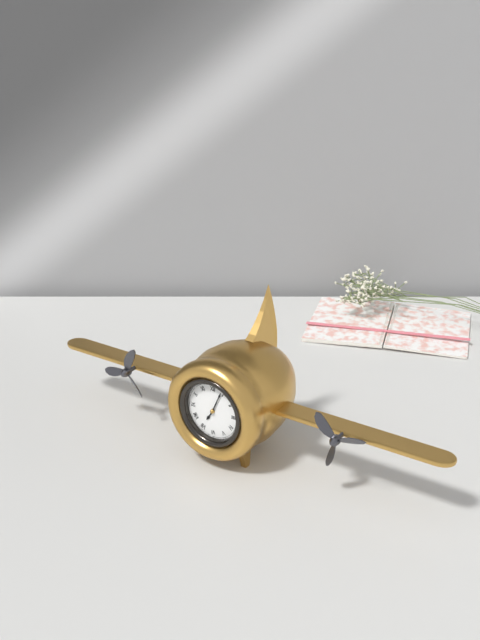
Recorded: {"hour": 7, "minute": 4}
